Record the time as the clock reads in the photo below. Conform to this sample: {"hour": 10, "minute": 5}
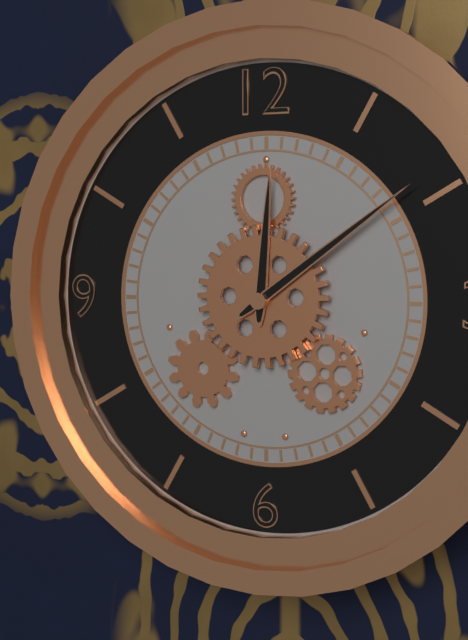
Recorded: {"hour": 12, "minute": 9}
